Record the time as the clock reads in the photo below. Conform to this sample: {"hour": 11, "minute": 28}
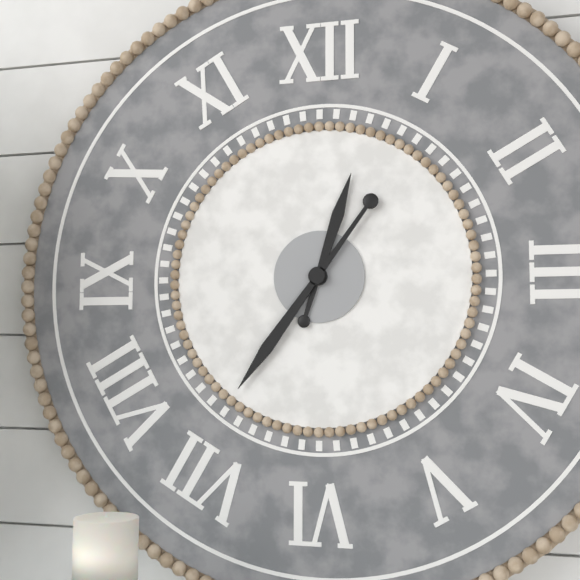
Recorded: {"hour": 12, "minute": 36}
